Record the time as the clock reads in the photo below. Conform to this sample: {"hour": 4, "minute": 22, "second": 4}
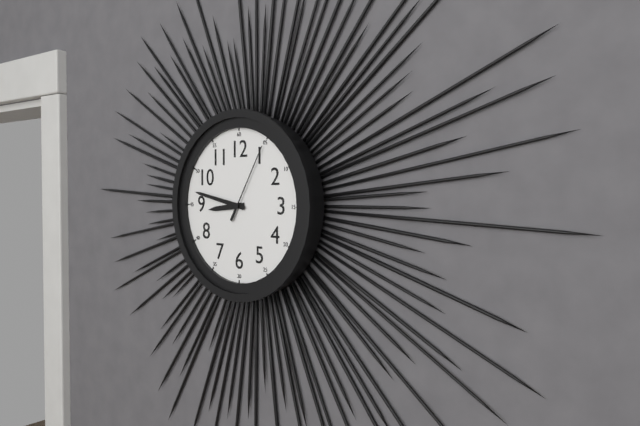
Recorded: {"hour": 8, "minute": 47, "second": 5}
